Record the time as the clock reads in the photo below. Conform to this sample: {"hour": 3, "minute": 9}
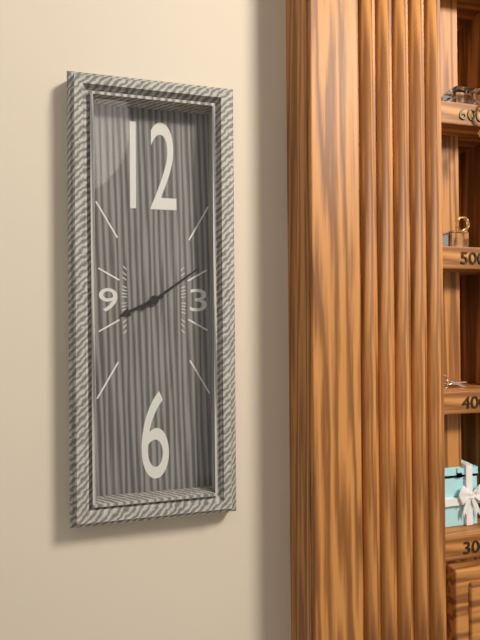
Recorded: {"hour": 8, "minute": 9}
